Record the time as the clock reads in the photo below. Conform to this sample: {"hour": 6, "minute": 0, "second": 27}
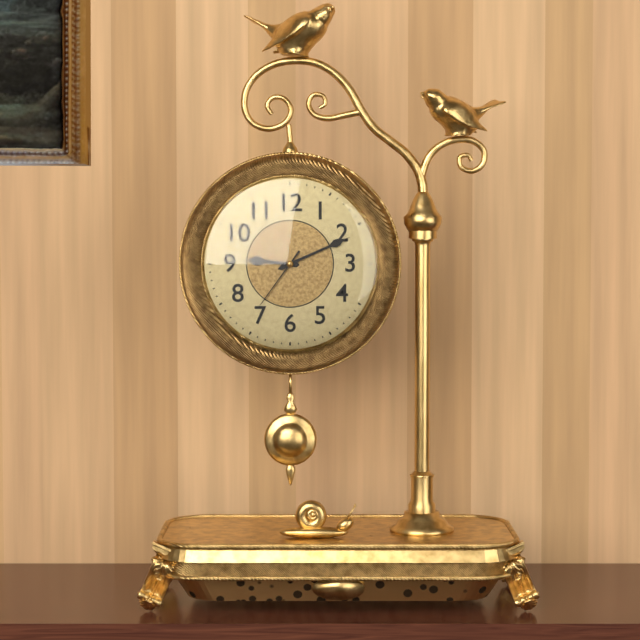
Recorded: {"hour": 9, "minute": 11, "second": 36}
